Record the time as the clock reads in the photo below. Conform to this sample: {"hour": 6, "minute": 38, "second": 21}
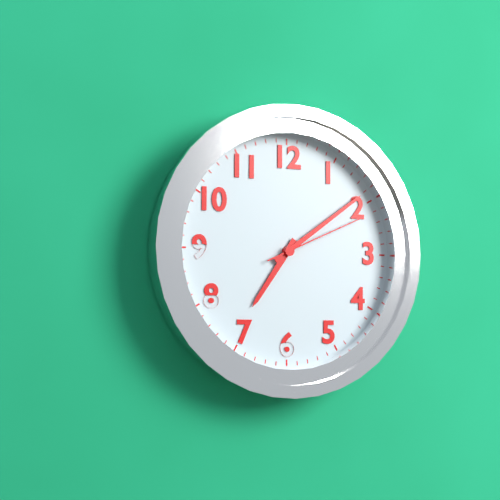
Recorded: {"hour": 7, "minute": 9, "second": 11}
